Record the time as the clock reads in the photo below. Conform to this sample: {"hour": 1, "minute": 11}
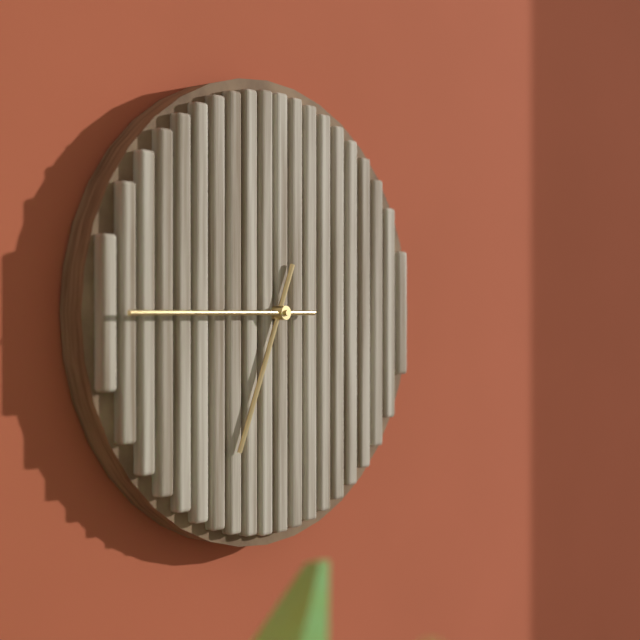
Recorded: {"hour": 6, "minute": 45}
